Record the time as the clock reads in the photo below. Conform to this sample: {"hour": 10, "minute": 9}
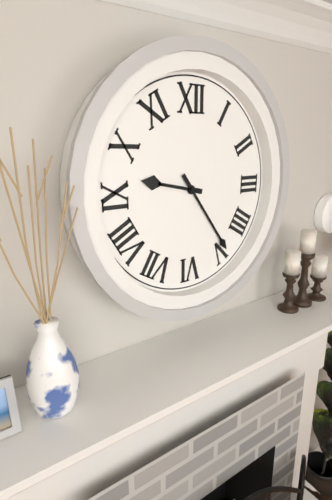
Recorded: {"hour": 9, "minute": 24}
